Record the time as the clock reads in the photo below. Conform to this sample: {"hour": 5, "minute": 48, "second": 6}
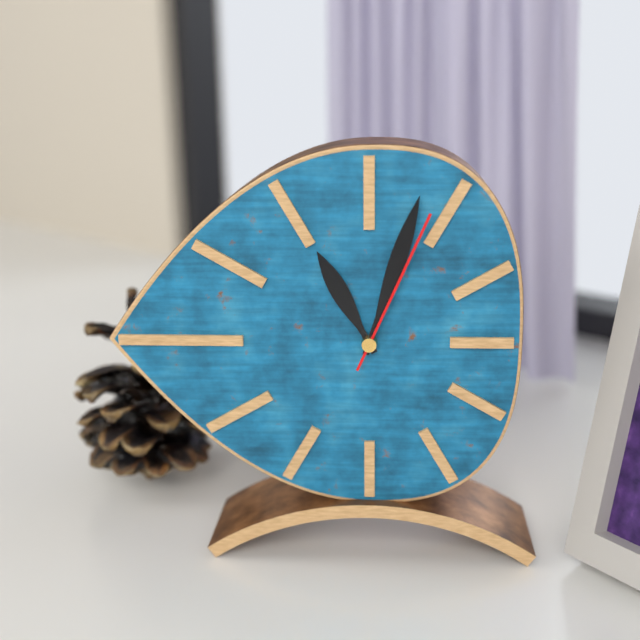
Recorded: {"hour": 11, "minute": 3, "second": 4}
